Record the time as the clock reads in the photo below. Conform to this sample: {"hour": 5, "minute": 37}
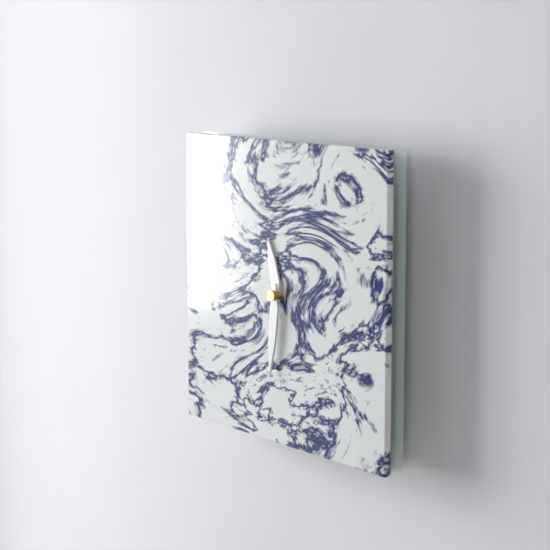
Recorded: {"hour": 11, "minute": 31}
